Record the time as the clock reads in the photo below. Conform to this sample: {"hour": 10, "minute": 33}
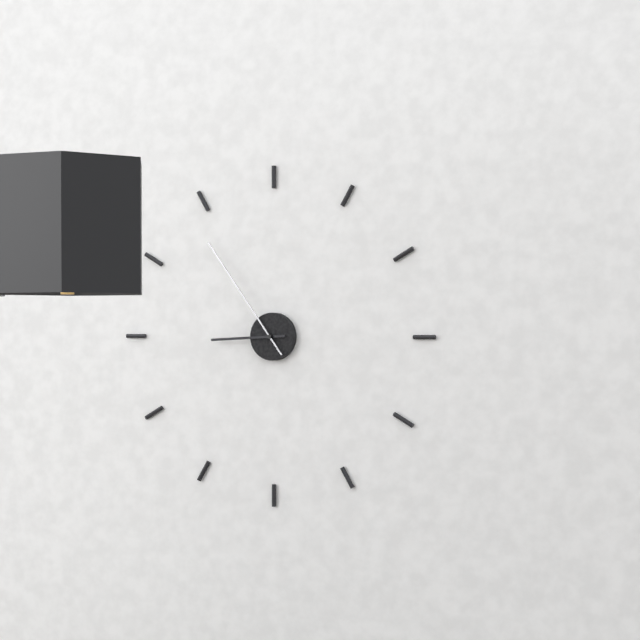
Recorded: {"hour": 8, "minute": 54}
